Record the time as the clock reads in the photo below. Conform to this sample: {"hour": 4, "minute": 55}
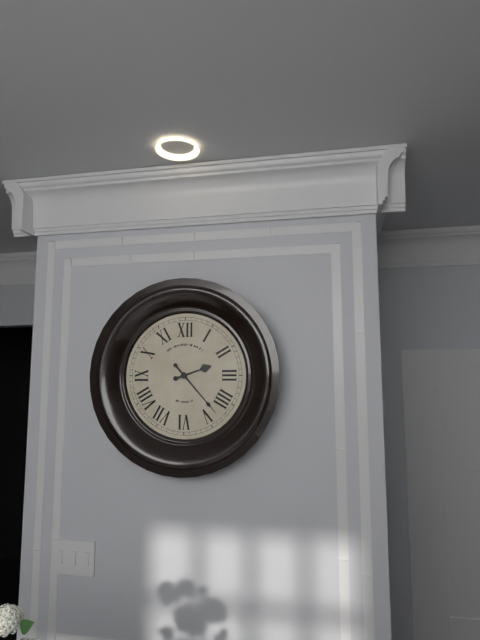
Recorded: {"hour": 2, "minute": 23}
